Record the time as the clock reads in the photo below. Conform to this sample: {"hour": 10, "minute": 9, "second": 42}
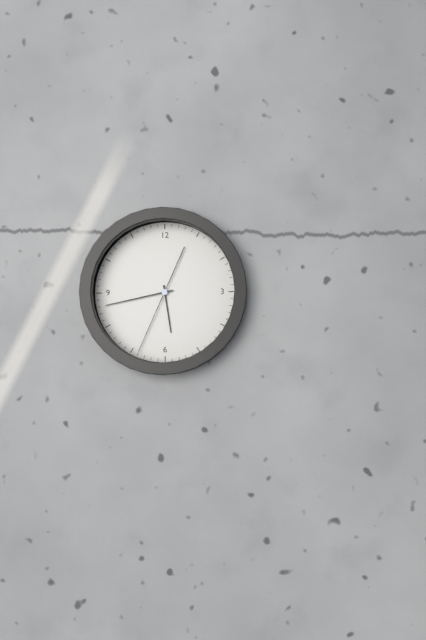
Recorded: {"hour": 5, "minute": 43, "second": 34}
